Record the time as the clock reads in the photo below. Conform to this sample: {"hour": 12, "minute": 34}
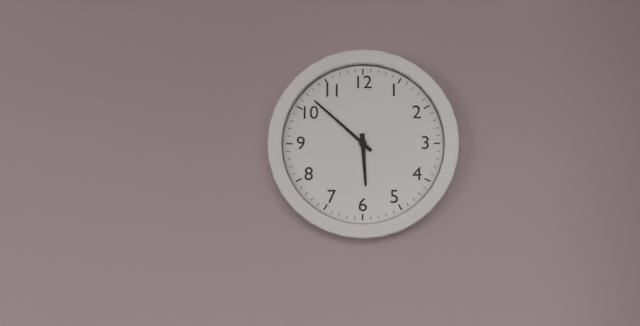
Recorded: {"hour": 5, "minute": 52}
